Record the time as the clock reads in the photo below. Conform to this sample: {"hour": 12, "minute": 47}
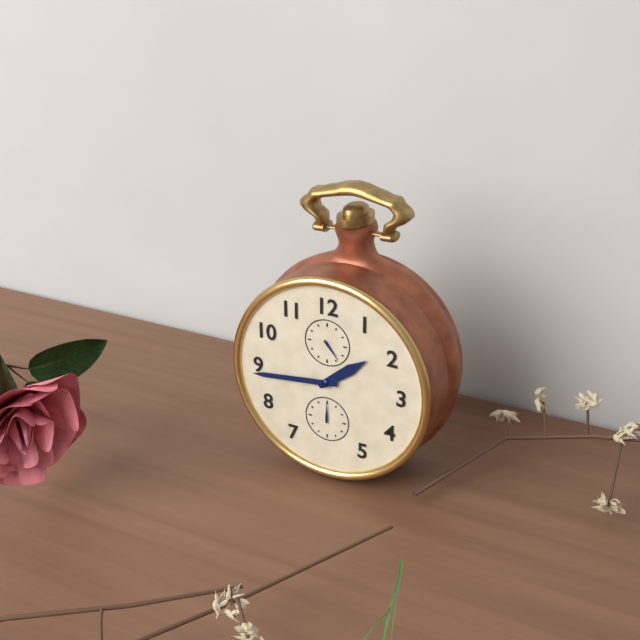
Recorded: {"hour": 1, "minute": 44}
